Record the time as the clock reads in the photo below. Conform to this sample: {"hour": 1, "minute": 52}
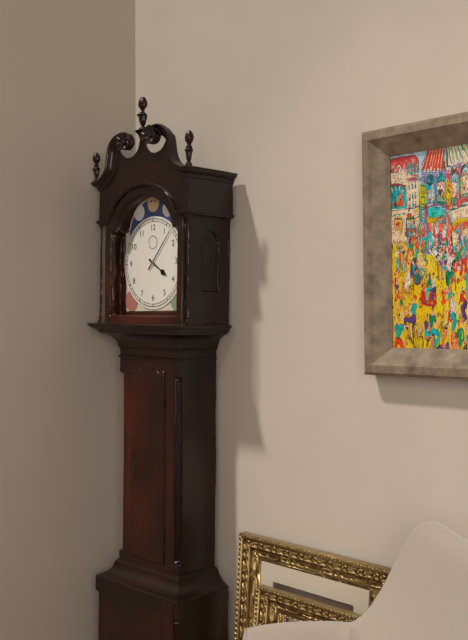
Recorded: {"hour": 4, "minute": 7}
